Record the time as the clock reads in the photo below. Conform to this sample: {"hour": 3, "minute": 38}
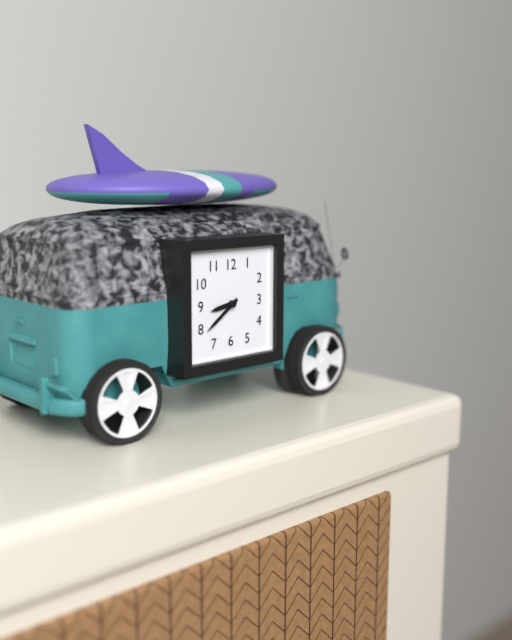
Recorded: {"hour": 8, "minute": 39}
